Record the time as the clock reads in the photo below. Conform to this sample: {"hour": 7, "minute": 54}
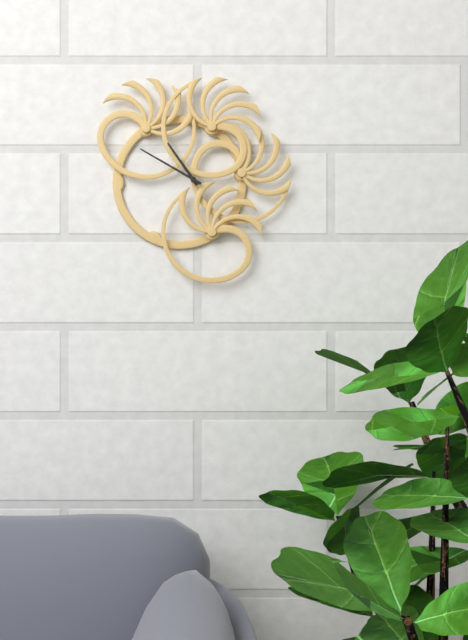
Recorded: {"hour": 10, "minute": 50}
